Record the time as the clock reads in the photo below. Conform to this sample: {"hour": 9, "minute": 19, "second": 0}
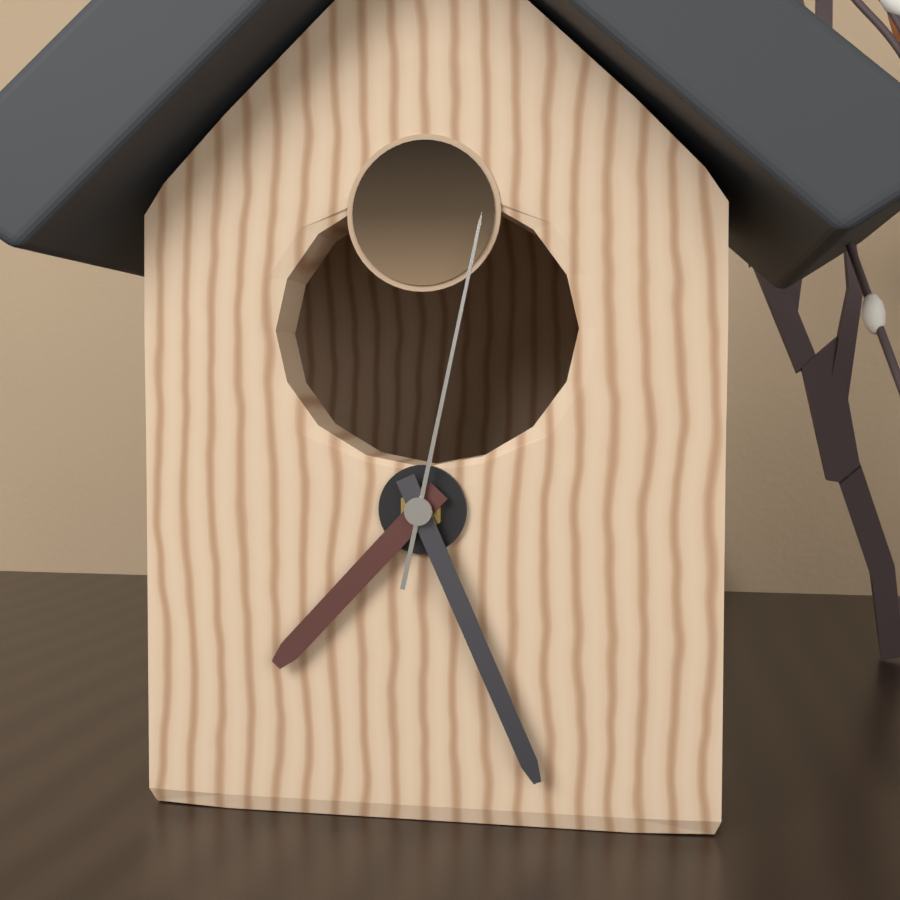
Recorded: {"hour": 7, "minute": 26, "second": 2}
